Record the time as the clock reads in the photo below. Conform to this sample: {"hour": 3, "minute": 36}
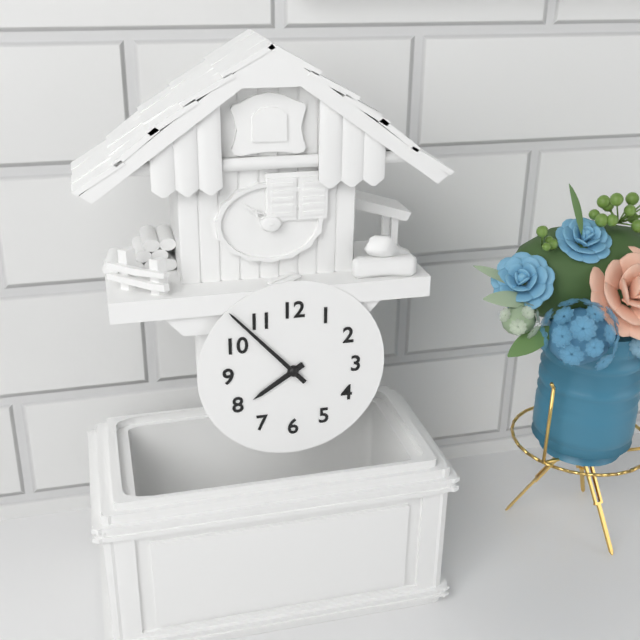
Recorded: {"hour": 7, "minute": 53}
